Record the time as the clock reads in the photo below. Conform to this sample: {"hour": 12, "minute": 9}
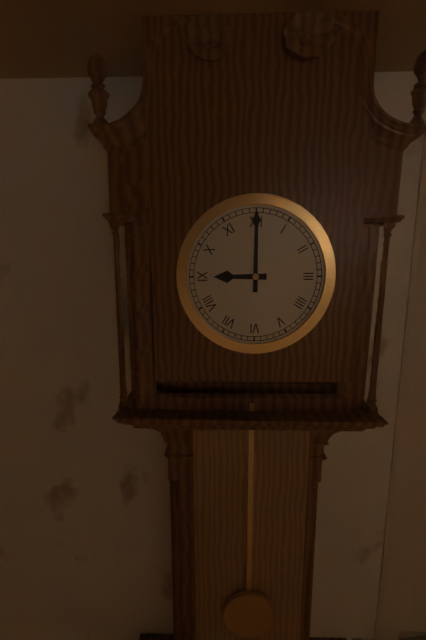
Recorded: {"hour": 9, "minute": 0}
